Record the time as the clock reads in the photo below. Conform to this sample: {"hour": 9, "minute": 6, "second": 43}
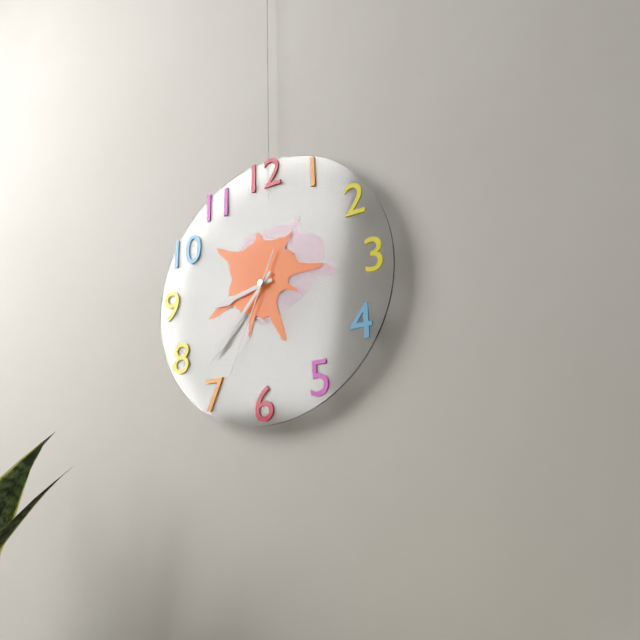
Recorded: {"hour": 8, "minute": 37, "second": 34}
